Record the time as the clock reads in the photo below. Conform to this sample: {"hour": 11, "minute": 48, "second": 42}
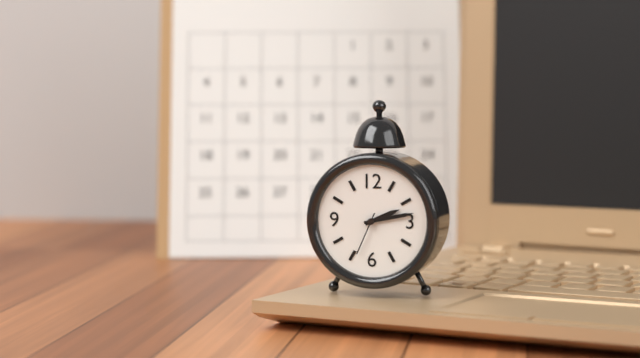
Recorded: {"hour": 2, "minute": 13, "second": 34}
